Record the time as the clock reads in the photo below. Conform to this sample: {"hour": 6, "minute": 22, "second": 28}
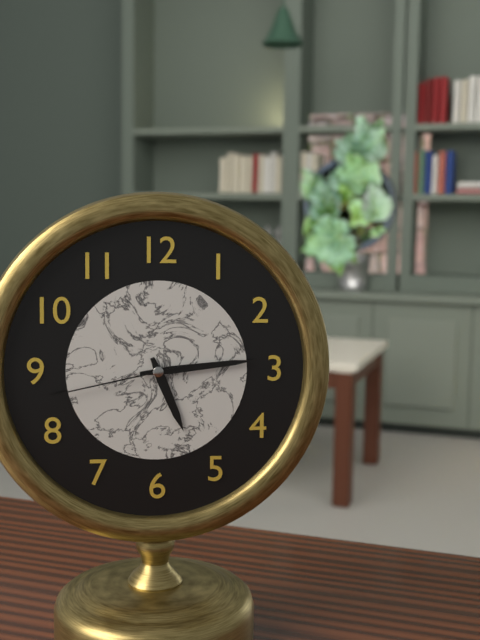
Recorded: {"hour": 5, "minute": 14, "second": 43}
